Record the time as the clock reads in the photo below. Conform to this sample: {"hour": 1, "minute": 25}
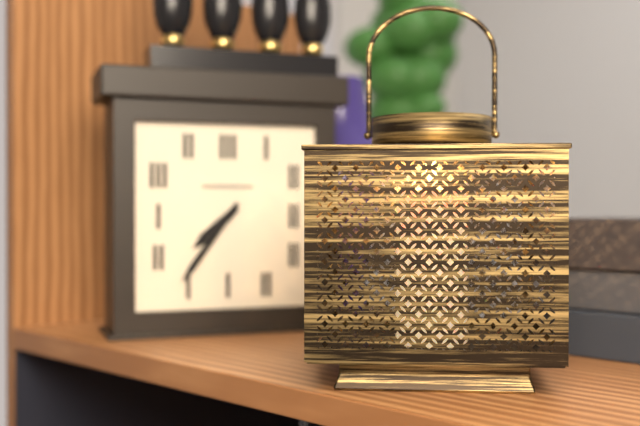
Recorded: {"hour": 7, "minute": 36}
